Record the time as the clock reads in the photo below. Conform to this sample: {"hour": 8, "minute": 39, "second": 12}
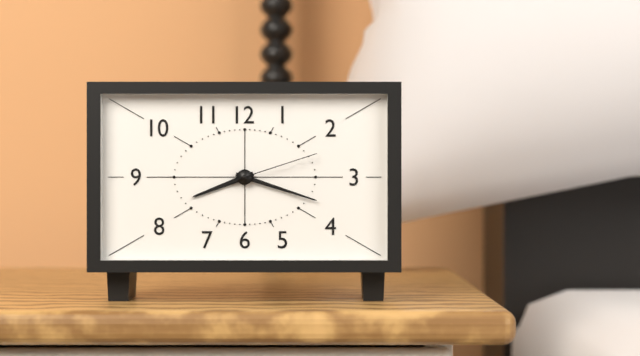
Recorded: {"hour": 8, "minute": 18, "second": 12}
